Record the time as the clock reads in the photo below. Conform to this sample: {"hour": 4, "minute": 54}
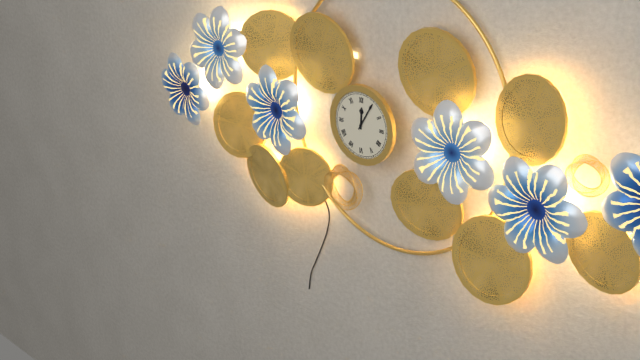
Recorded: {"hour": 12, "minute": 5}
